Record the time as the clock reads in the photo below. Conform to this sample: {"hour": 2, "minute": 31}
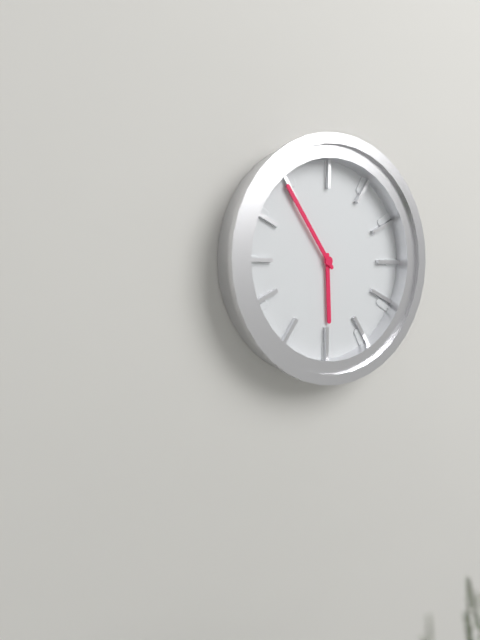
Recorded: {"hour": 5, "minute": 54}
